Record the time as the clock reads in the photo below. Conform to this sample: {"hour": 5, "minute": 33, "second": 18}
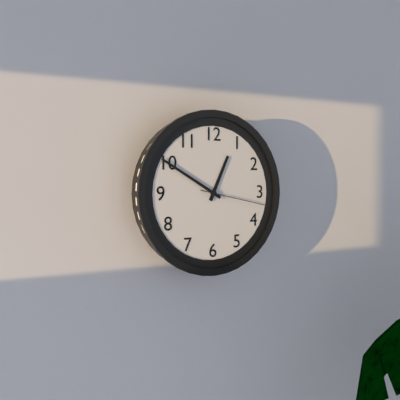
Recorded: {"hour": 12, "minute": 50, "second": 17}
